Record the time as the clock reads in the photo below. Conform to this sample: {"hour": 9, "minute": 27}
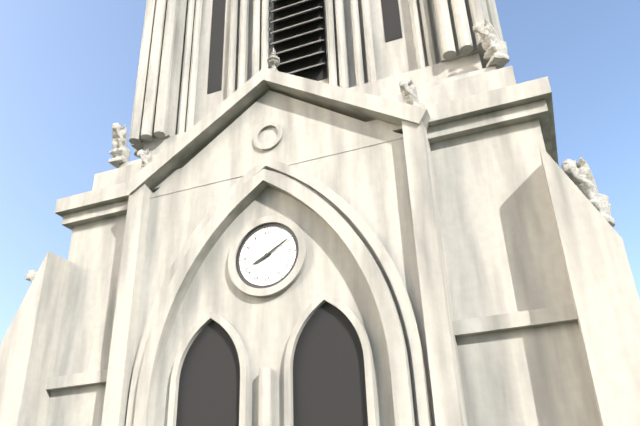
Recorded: {"hour": 8, "minute": 10}
